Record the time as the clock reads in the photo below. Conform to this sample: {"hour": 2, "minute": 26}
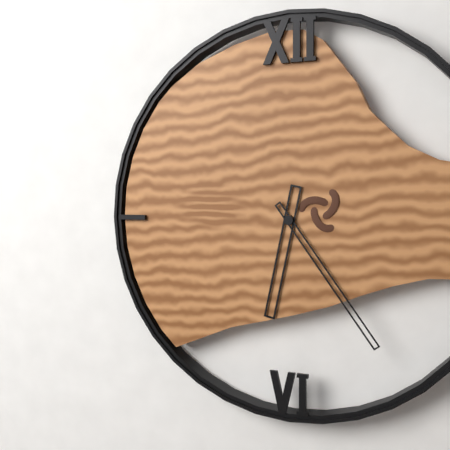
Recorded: {"hour": 6, "minute": 24}
